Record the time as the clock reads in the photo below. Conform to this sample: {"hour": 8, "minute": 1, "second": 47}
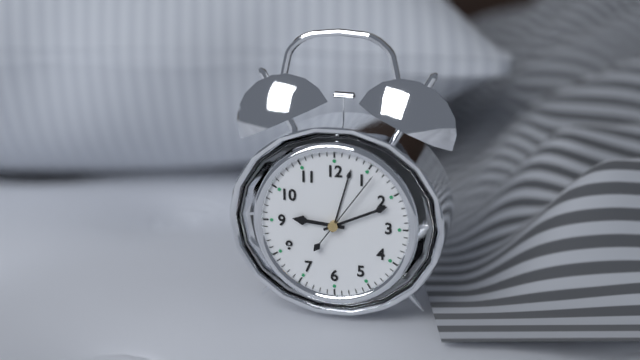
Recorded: {"hour": 9, "minute": 11, "second": 6}
